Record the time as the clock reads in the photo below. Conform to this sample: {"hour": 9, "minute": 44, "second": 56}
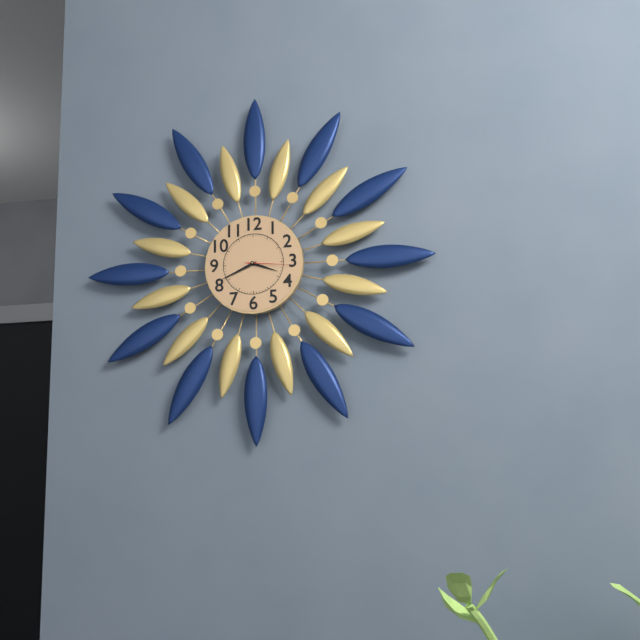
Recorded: {"hour": 3, "minute": 41, "second": 16}
